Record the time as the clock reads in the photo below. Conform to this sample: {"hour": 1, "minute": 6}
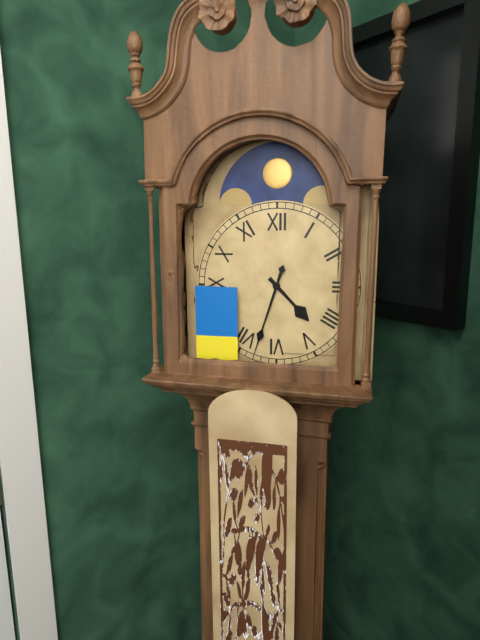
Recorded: {"hour": 4, "minute": 33}
